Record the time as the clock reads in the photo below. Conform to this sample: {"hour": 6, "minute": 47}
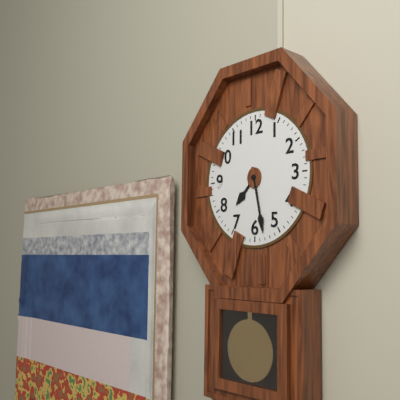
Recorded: {"hour": 7, "minute": 28}
